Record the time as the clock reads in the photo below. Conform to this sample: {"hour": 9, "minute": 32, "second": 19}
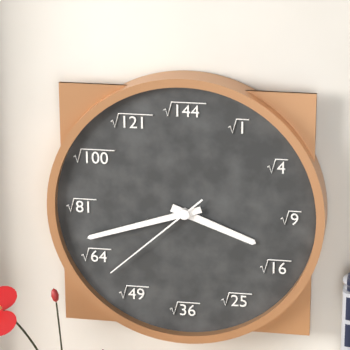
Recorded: {"hour": 3, "minute": 42, "second": 38}
